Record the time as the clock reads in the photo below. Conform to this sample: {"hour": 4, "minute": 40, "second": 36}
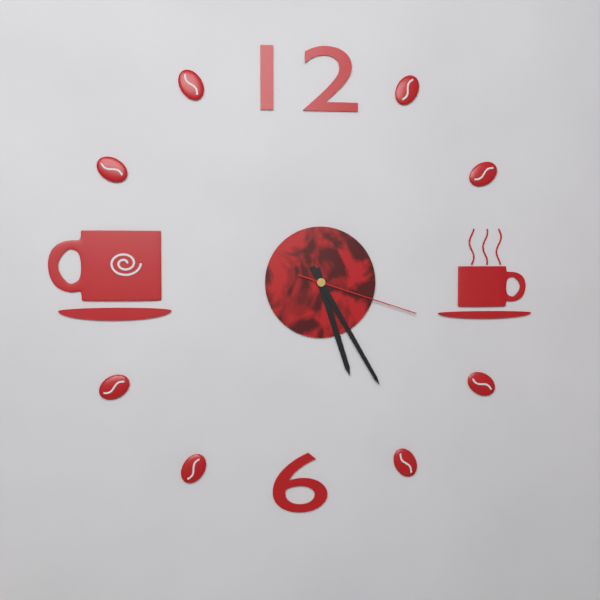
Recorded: {"hour": 5, "minute": 25, "second": 18}
